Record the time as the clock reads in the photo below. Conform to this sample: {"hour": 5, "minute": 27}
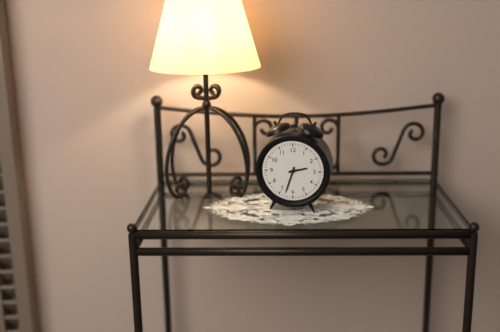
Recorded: {"hour": 2, "minute": 33}
